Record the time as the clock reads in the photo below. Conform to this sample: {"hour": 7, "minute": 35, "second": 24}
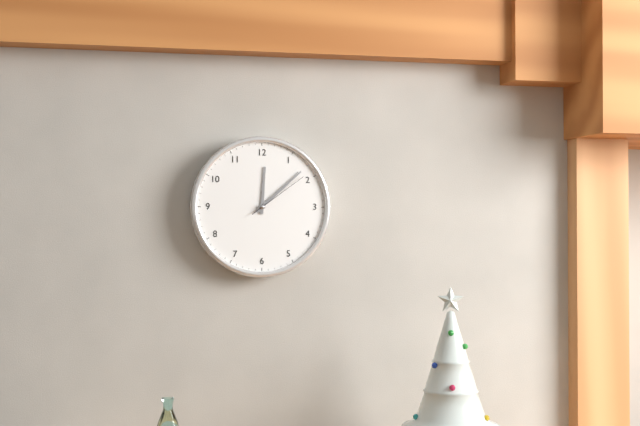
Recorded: {"hour": 12, "minute": 8, "second": 9}
